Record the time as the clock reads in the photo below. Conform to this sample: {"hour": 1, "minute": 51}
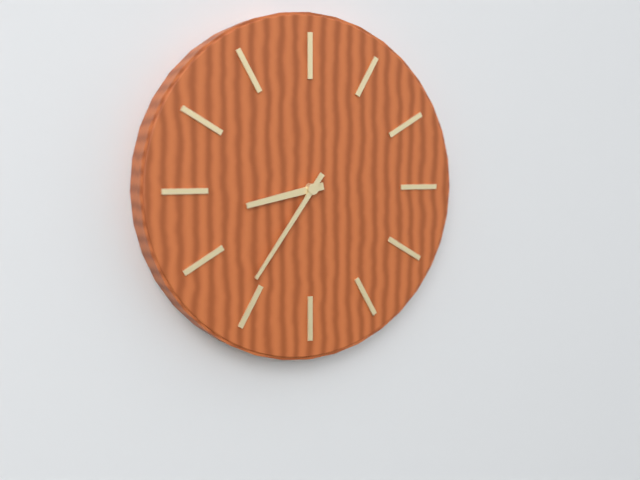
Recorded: {"hour": 8, "minute": 36}
